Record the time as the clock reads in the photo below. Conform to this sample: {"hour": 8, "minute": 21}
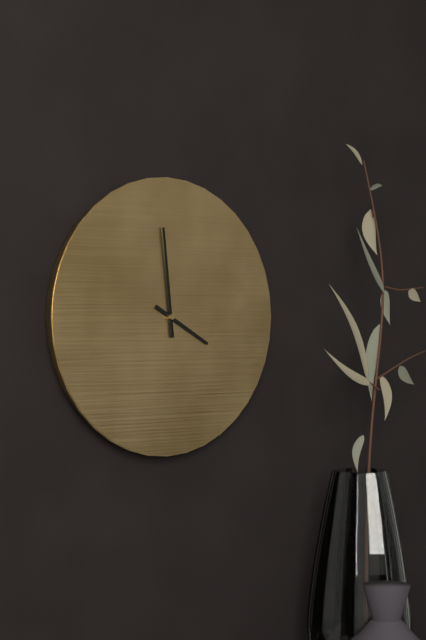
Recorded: {"hour": 3, "minute": 59}
